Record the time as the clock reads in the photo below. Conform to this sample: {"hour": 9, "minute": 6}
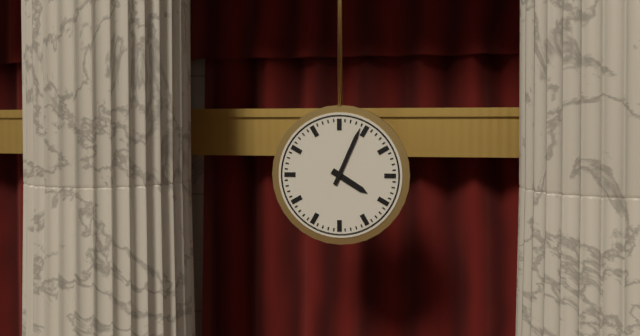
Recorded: {"hour": 4, "minute": 4}
